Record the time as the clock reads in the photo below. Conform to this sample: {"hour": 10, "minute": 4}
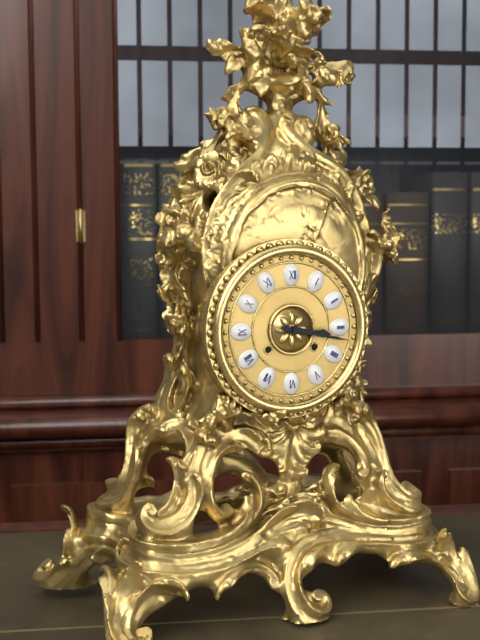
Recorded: {"hour": 3, "minute": 17}
